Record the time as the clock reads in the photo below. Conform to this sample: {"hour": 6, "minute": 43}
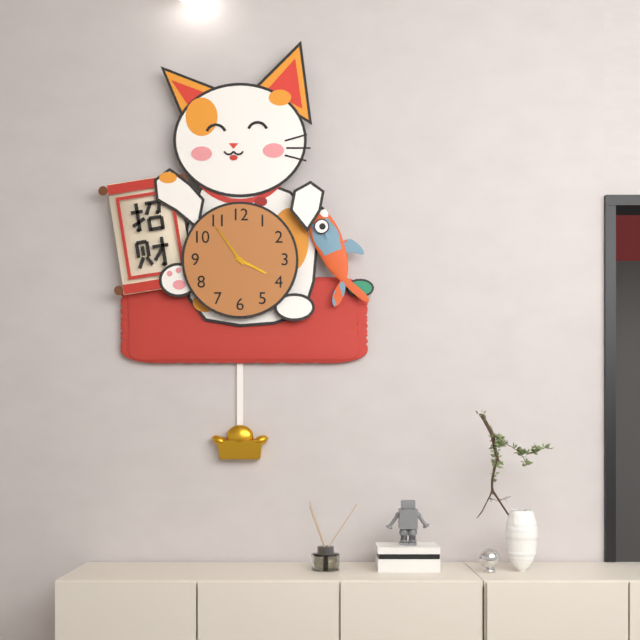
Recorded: {"hour": 3, "minute": 54}
